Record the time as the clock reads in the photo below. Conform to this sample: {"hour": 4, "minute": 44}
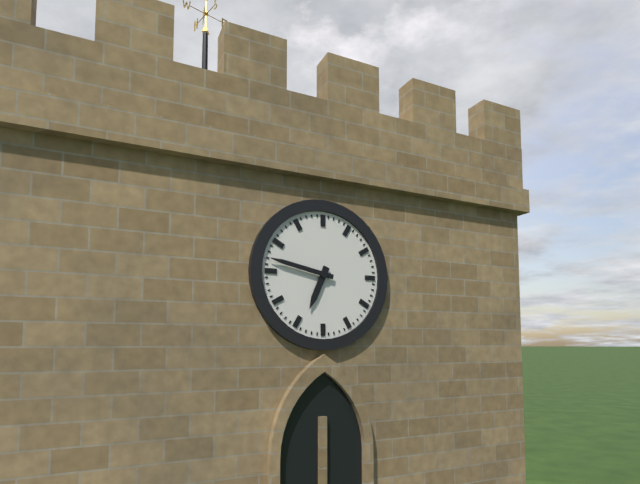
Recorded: {"hour": 6, "minute": 47}
